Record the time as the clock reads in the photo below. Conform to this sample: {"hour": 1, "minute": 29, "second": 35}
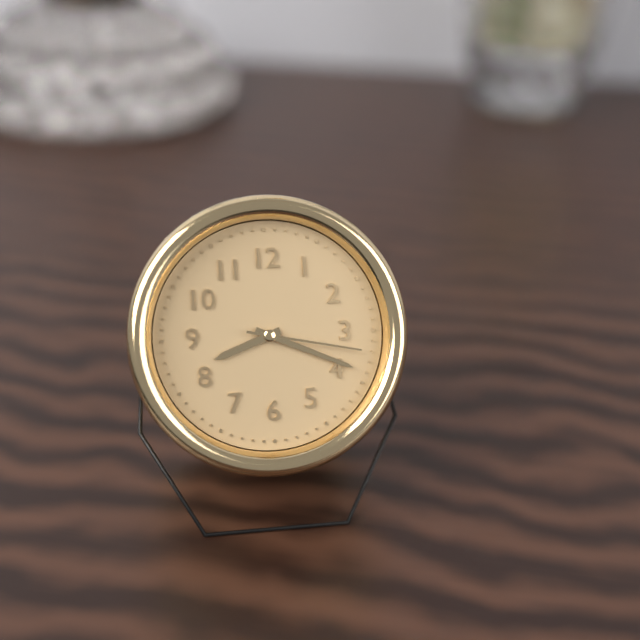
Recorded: {"hour": 8, "minute": 19, "second": 17}
